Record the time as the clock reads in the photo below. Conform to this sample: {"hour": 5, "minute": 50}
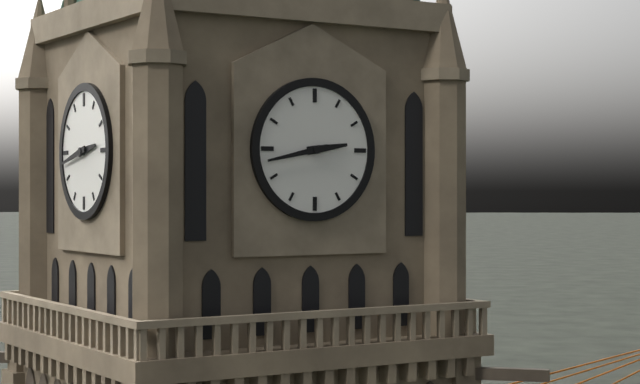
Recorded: {"hour": 2, "minute": 43}
